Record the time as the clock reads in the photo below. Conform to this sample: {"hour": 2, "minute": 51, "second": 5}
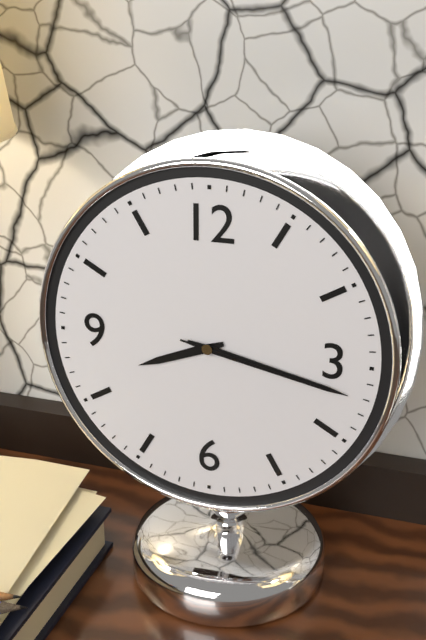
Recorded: {"hour": 8, "minute": 17, "second": 17}
